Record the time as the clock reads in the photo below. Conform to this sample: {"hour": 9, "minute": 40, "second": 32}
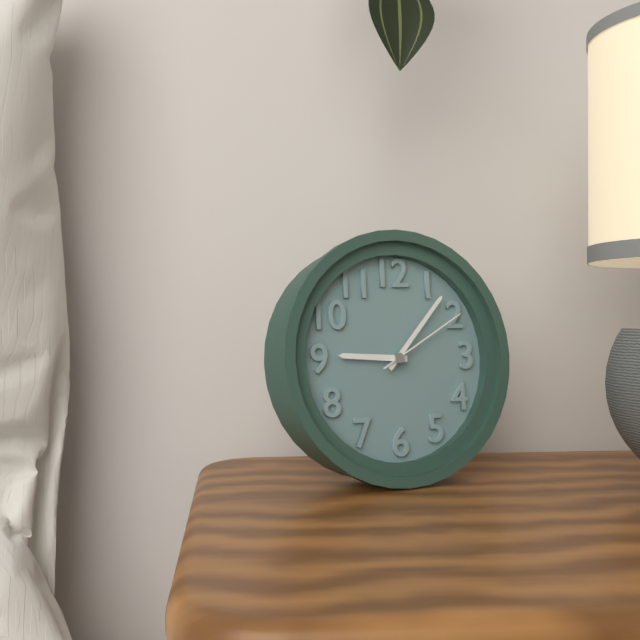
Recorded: {"hour": 9, "minute": 7, "second": 10}
